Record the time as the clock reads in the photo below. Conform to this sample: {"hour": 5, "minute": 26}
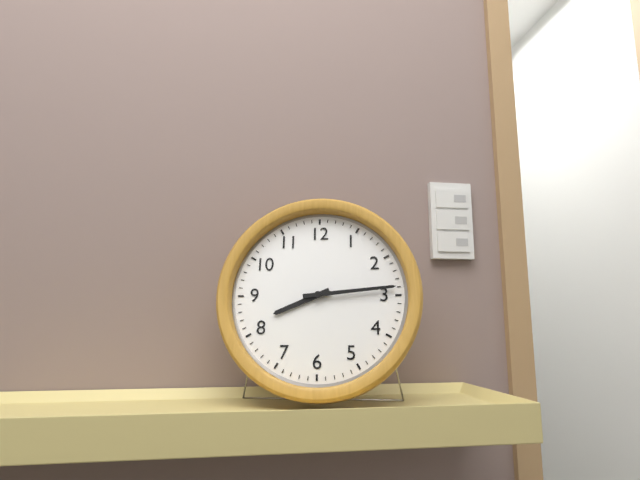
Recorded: {"hour": 8, "minute": 14}
